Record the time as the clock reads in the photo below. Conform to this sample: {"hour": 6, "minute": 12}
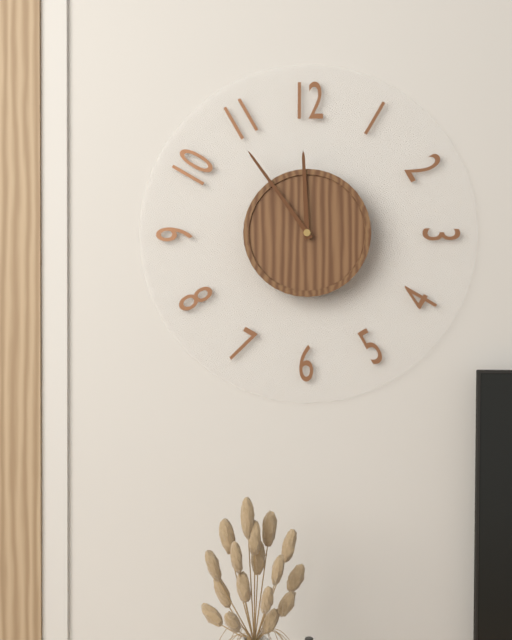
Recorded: {"hour": 11, "minute": 54}
